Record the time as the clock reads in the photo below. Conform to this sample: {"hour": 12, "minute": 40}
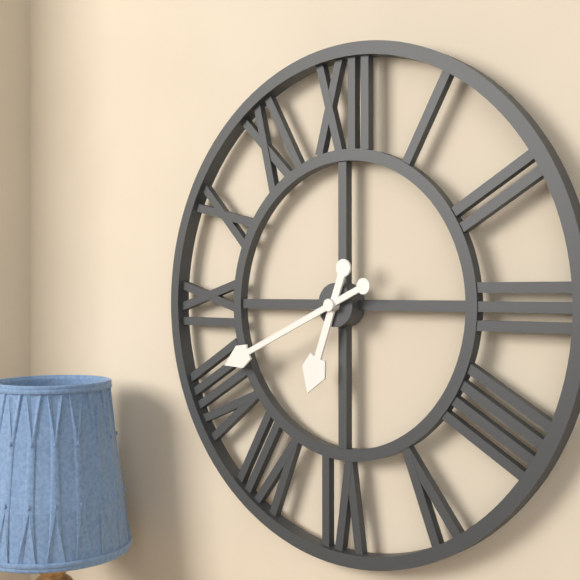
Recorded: {"hour": 6, "minute": 41}
